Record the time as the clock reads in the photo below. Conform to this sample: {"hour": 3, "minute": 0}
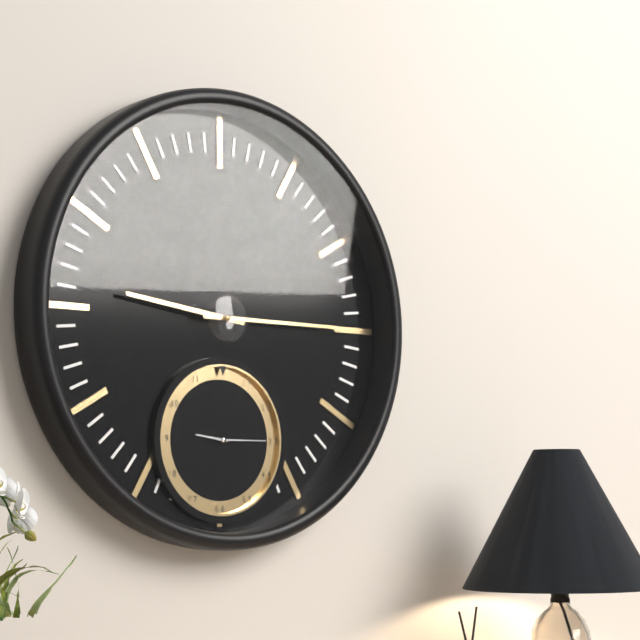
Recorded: {"hour": 9, "minute": 15}
